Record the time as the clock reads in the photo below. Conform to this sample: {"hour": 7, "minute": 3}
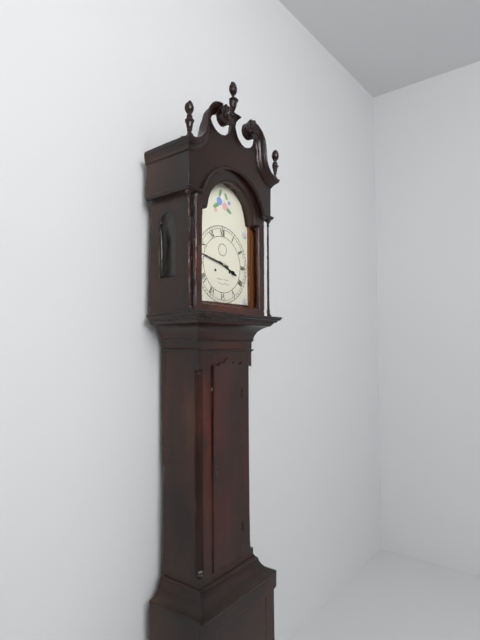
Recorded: {"hour": 3, "minute": 47}
